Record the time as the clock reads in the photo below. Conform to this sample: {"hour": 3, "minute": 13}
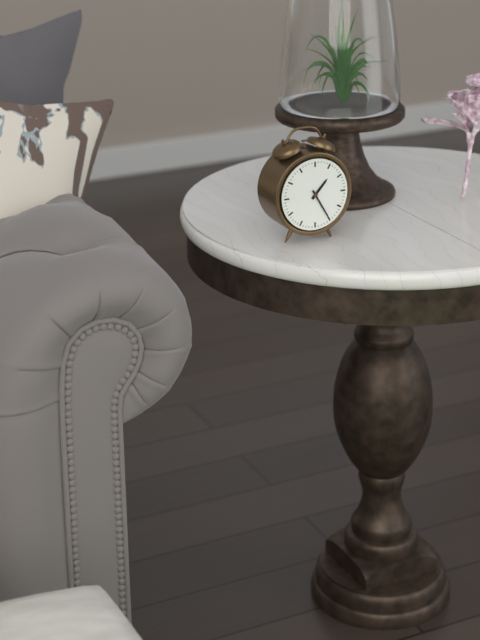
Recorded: {"hour": 1, "minute": 25}
